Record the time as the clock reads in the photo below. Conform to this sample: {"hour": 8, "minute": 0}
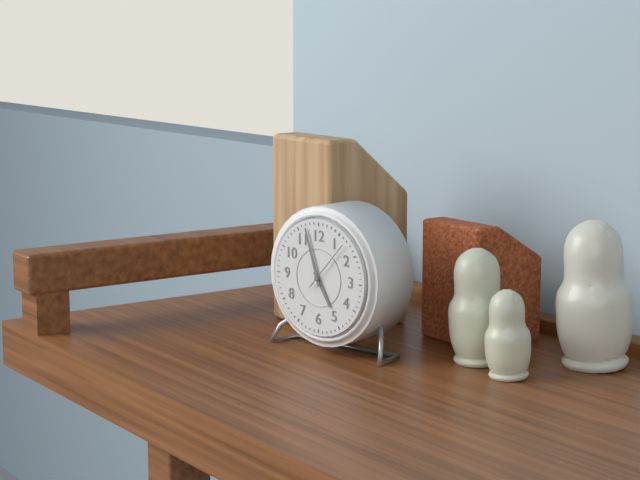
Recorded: {"hour": 4, "minute": 57}
